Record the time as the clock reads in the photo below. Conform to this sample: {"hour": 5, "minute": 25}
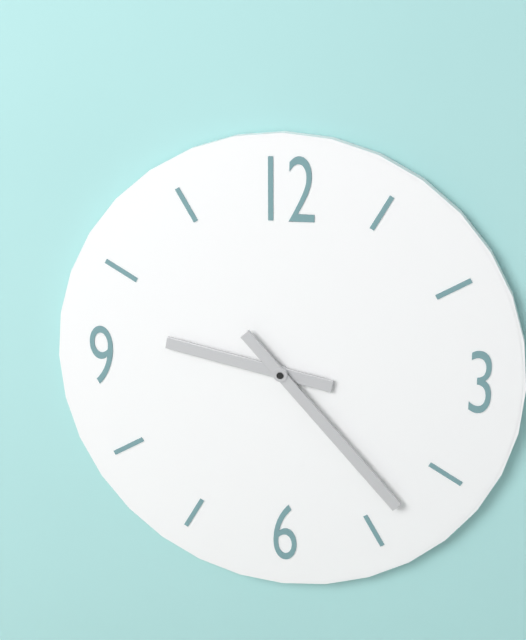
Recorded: {"hour": 9, "minute": 23}
